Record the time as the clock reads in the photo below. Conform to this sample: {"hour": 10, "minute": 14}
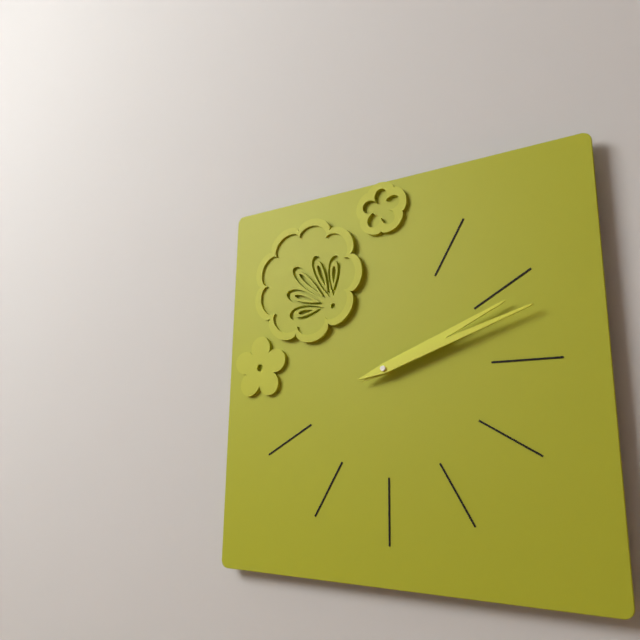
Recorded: {"hour": 2, "minute": 12}
